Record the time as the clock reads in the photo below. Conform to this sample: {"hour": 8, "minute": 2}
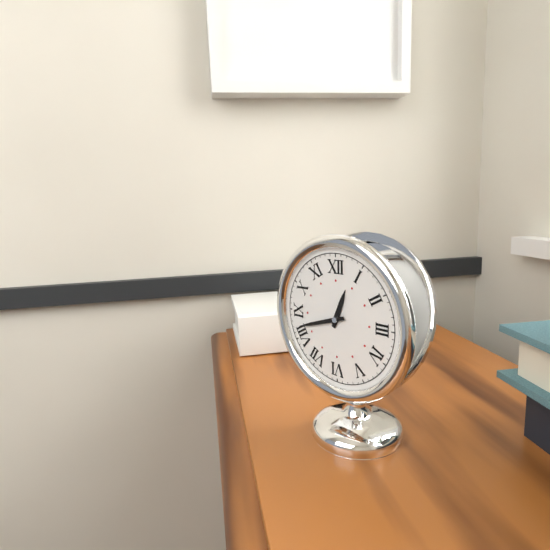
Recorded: {"hour": 12, "minute": 42}
